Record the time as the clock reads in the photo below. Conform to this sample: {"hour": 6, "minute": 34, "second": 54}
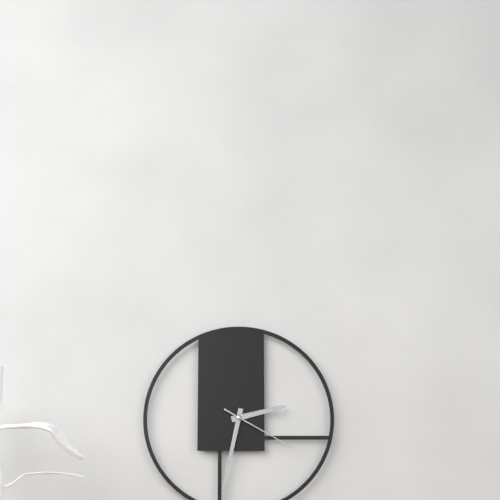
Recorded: {"hour": 2, "minute": 32, "second": 20}
